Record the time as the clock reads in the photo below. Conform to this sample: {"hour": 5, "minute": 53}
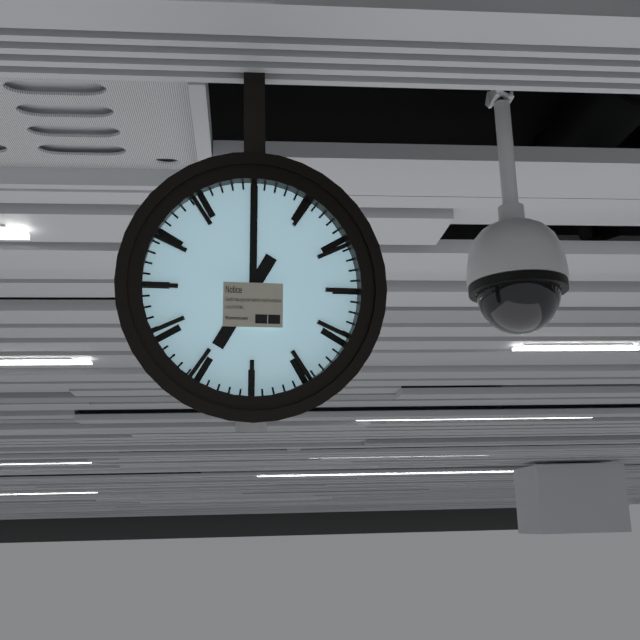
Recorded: {"hour": 7, "minute": 0}
